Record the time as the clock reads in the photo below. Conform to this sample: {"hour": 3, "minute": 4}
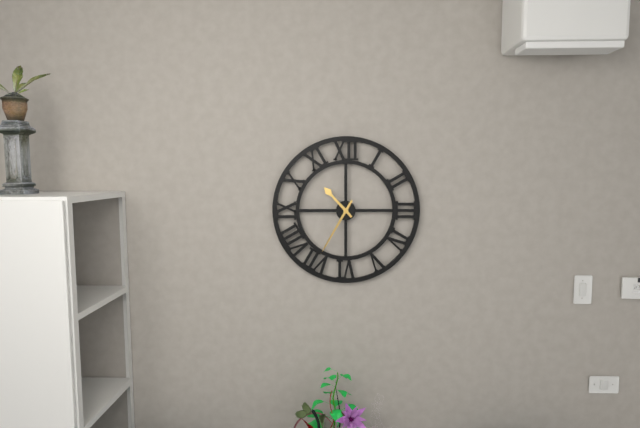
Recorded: {"hour": 10, "minute": 35}
